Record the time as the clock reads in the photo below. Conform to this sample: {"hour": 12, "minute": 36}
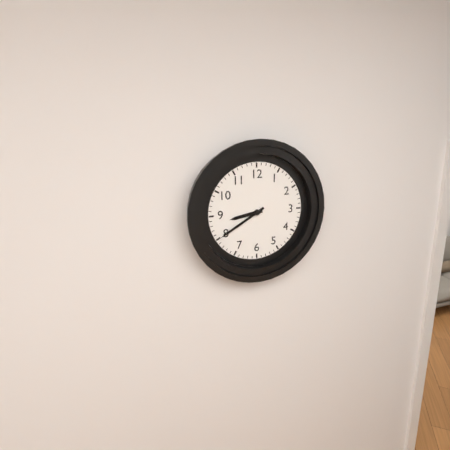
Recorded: {"hour": 8, "minute": 40}
